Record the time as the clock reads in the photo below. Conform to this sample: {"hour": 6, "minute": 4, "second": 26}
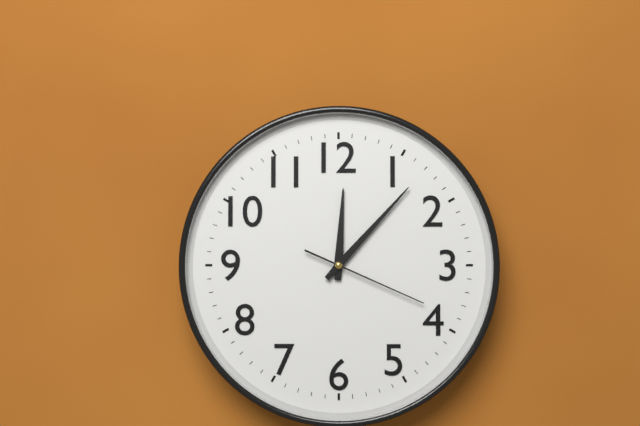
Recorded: {"hour": 12, "minute": 7, "second": 19}
